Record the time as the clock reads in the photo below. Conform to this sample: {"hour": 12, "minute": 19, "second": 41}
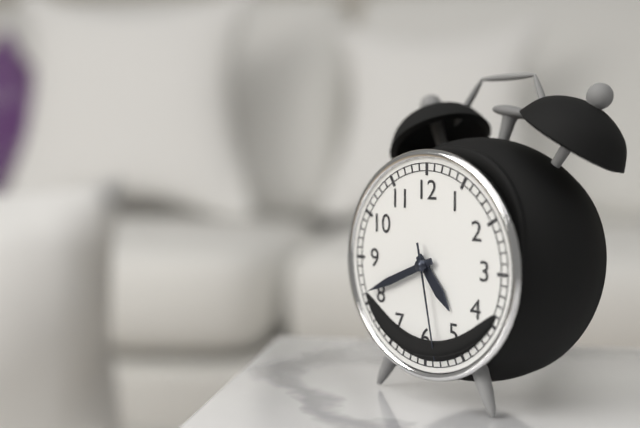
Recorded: {"hour": 4, "minute": 41, "second": 28}
